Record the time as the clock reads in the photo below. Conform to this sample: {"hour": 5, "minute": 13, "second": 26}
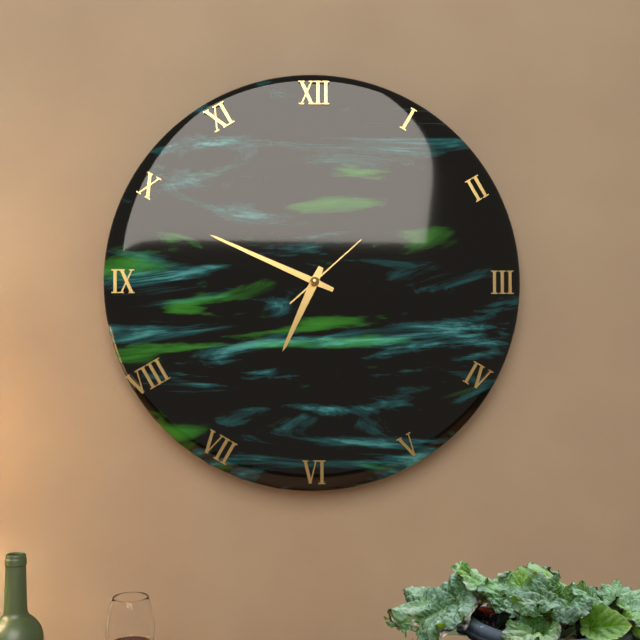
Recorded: {"hour": 6, "minute": 49, "second": 8}
